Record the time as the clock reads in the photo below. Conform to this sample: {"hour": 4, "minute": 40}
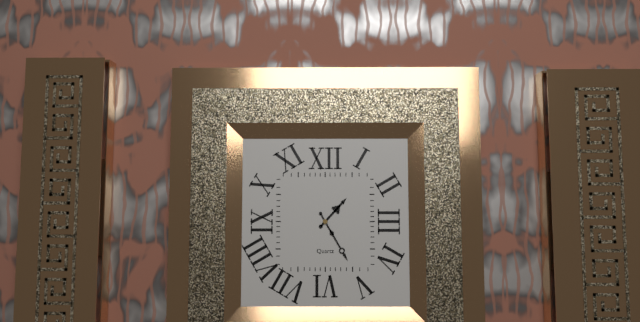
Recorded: {"hour": 1, "minute": 25}
